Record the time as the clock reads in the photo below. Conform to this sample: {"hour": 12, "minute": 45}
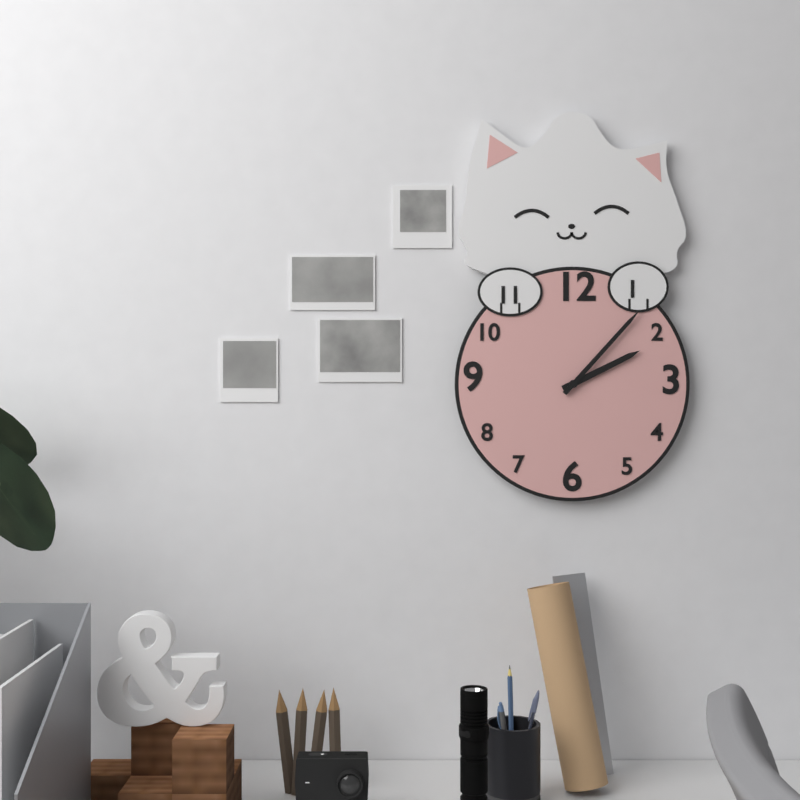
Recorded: {"hour": 2, "minute": 7}
